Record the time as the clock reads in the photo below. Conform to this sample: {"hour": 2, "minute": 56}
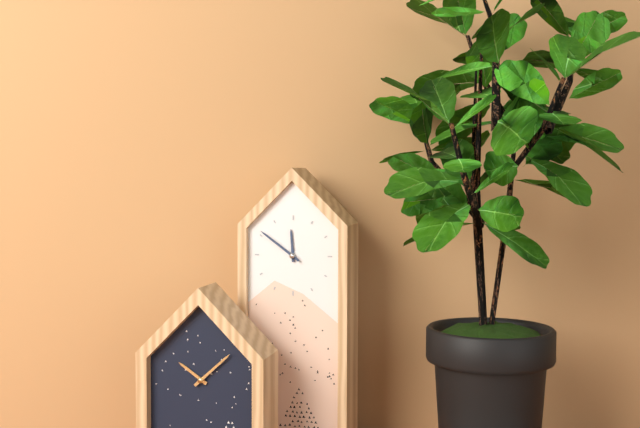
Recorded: {"hour": 11, "minute": 51}
